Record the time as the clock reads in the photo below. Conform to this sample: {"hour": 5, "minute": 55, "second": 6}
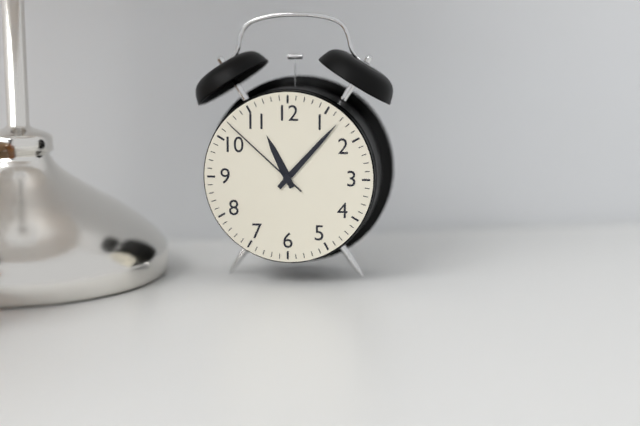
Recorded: {"hour": 11, "minute": 7, "second": 52}
